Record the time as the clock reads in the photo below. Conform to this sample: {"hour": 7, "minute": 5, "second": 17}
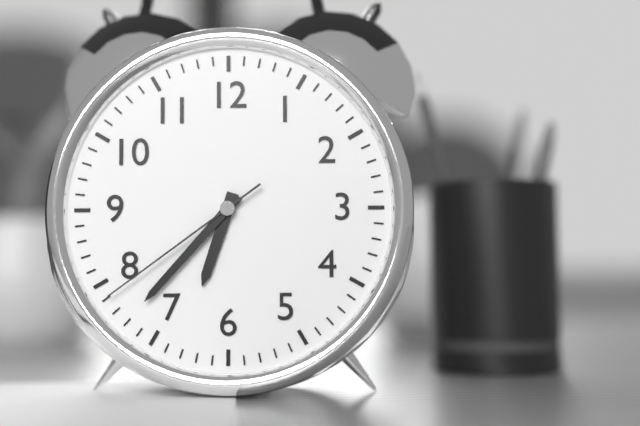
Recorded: {"hour": 6, "minute": 37, "second": 39}
